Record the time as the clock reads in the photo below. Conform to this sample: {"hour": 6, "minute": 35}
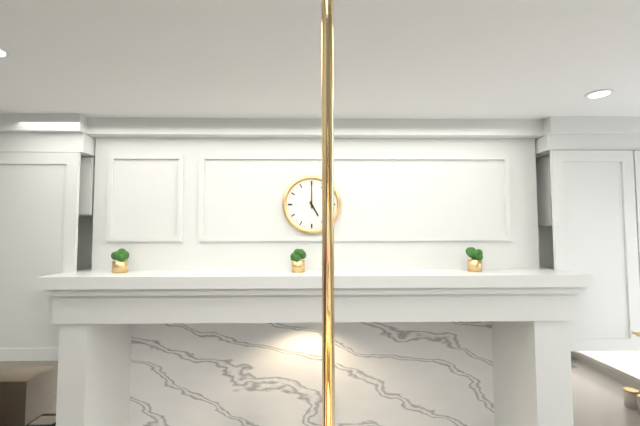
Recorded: {"hour": 5, "minute": 0}
